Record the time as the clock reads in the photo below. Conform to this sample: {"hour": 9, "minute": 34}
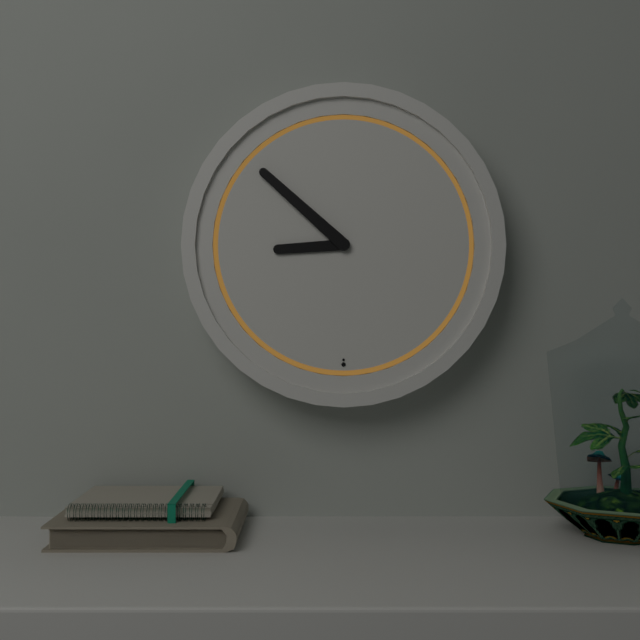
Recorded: {"hour": 8, "minute": 52}
